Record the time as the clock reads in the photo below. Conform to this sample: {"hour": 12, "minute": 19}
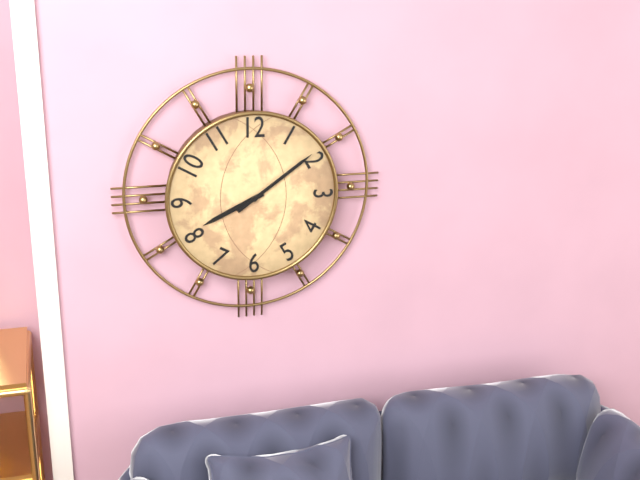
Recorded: {"hour": 8, "minute": 9}
